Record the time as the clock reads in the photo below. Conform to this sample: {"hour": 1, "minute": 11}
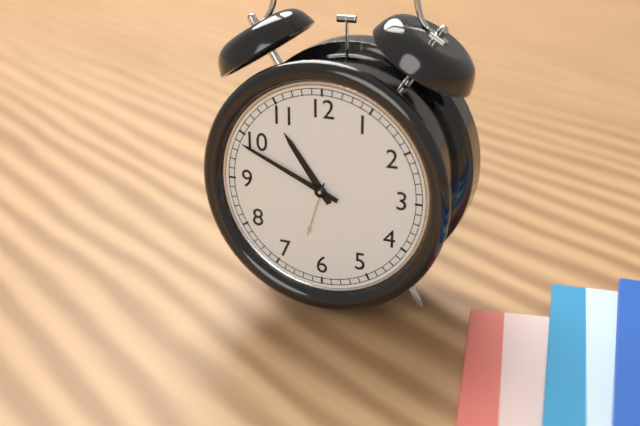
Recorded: {"hour": 10, "minute": 49}
